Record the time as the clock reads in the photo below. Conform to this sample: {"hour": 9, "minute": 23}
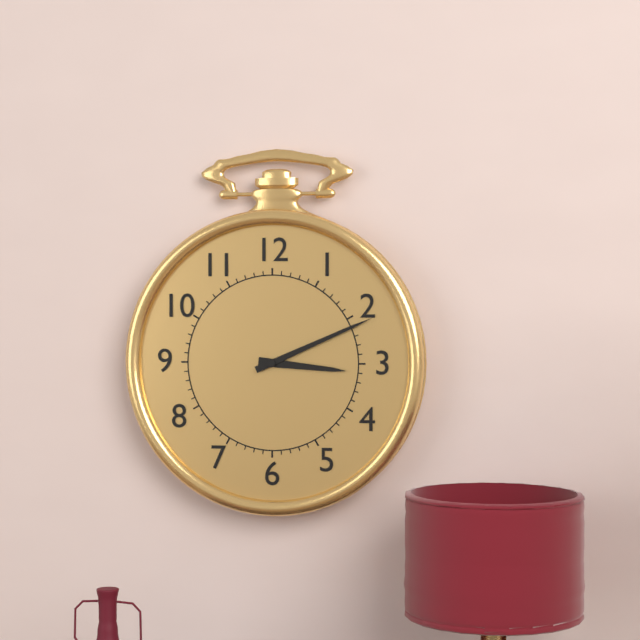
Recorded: {"hour": 3, "minute": 11}
